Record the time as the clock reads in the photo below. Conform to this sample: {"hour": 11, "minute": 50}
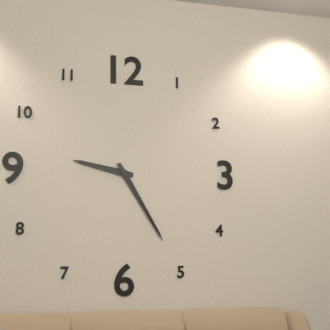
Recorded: {"hour": 9, "minute": 25}
